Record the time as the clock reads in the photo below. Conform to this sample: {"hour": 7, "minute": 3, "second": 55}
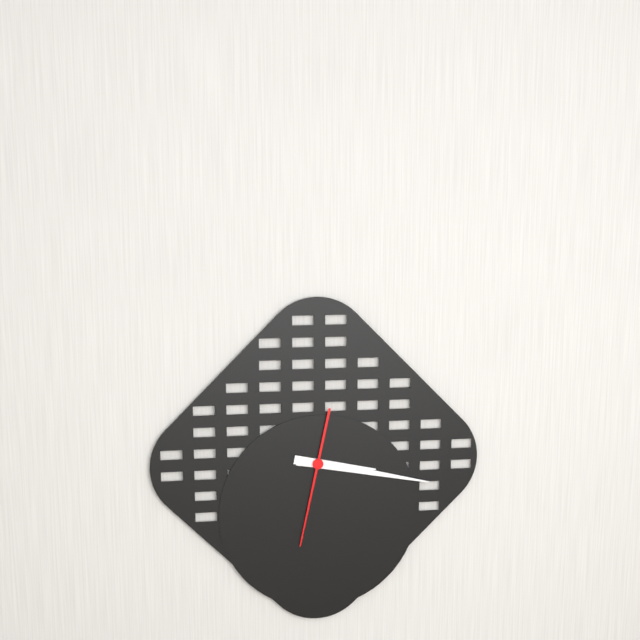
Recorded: {"hour": 3, "minute": 17, "second": 32}
